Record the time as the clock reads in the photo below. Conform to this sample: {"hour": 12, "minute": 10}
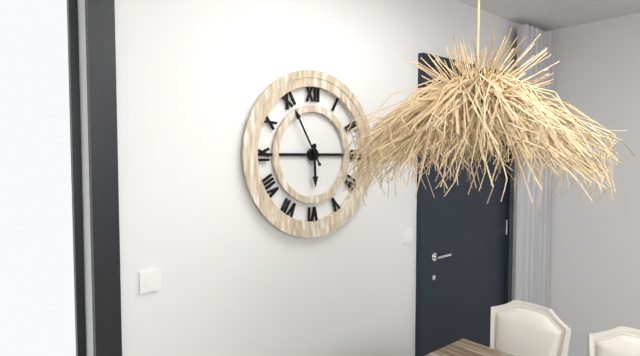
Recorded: {"hour": 5, "minute": 55}
